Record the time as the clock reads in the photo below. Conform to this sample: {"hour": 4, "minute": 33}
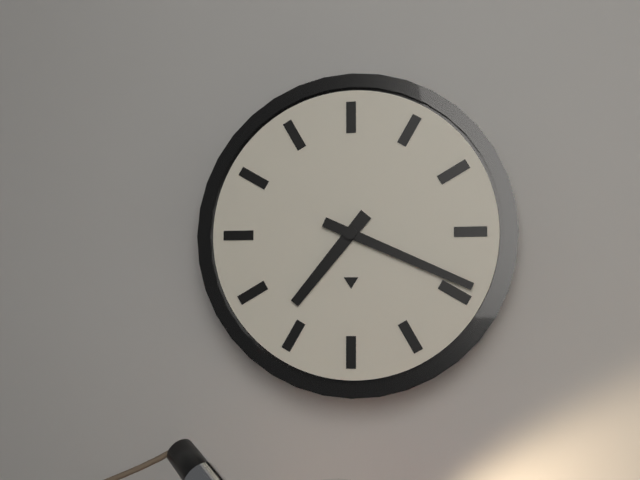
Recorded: {"hour": 7, "minute": 19}
